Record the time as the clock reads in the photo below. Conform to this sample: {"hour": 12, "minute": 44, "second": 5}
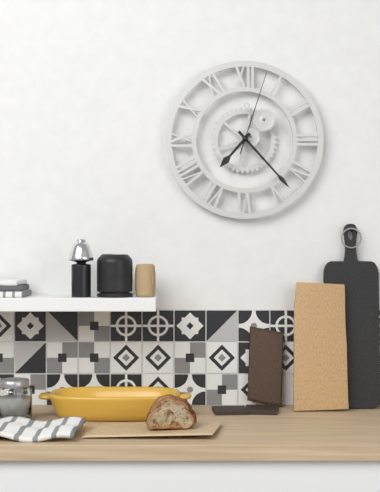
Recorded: {"hour": 7, "minute": 23, "second": 3}
